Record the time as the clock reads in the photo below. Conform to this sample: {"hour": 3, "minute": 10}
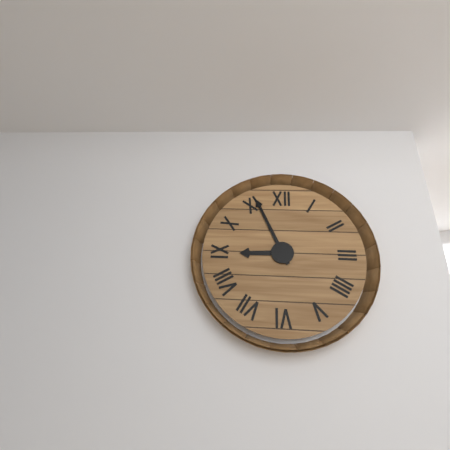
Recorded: {"hour": 8, "minute": 56}
